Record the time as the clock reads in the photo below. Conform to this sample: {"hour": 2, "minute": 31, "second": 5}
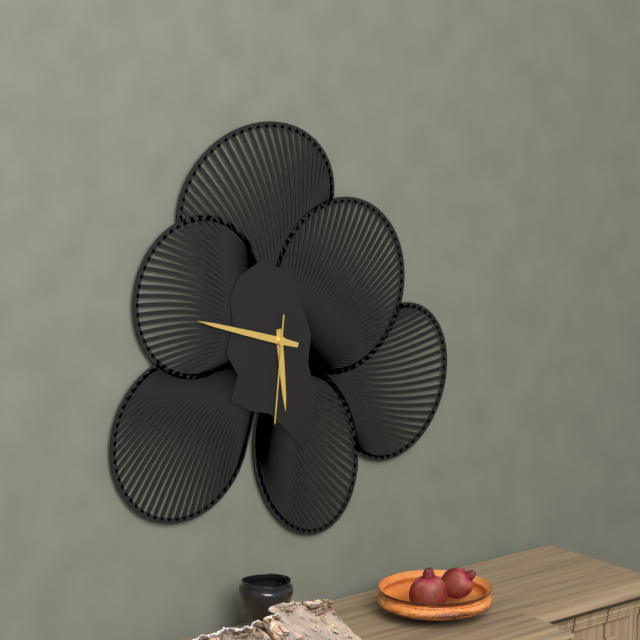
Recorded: {"hour": 5, "minute": 48, "second": 31}
